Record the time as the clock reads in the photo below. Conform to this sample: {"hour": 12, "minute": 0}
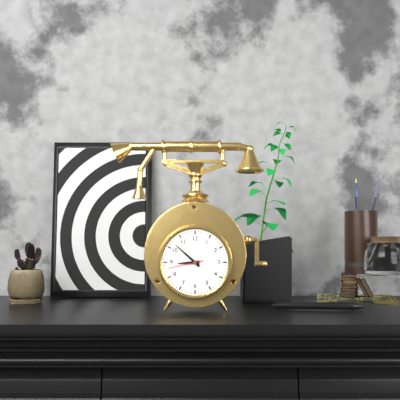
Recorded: {"hour": 8, "minute": 52}
